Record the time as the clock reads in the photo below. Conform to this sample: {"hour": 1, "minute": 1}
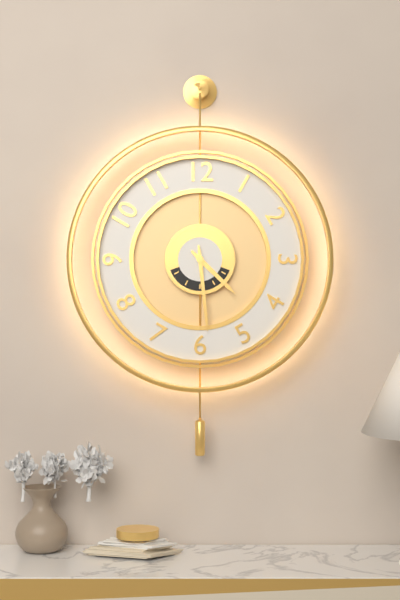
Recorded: {"hour": 4, "minute": 29}
